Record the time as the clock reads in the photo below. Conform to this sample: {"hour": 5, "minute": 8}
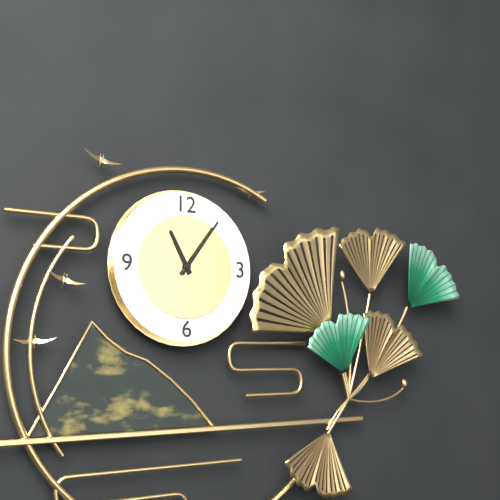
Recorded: {"hour": 11, "minute": 6}
